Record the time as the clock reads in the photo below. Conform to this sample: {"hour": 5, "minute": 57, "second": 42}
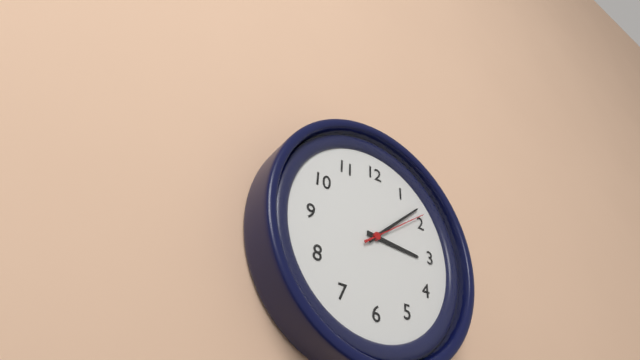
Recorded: {"hour": 3, "minute": 8, "second": 9}
